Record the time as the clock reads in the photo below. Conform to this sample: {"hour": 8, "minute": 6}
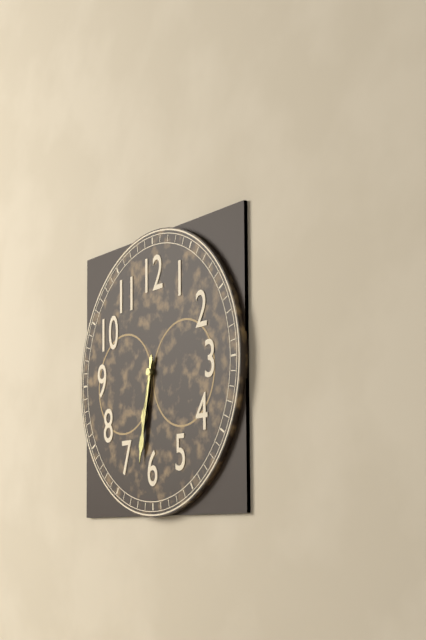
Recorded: {"hour": 6, "minute": 32}
